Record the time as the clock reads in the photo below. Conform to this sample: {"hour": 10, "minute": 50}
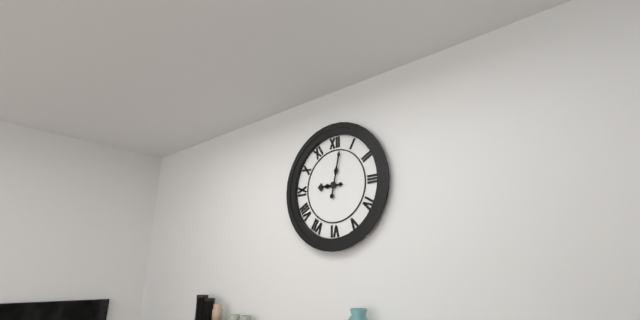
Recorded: {"hour": 9, "minute": 2}
